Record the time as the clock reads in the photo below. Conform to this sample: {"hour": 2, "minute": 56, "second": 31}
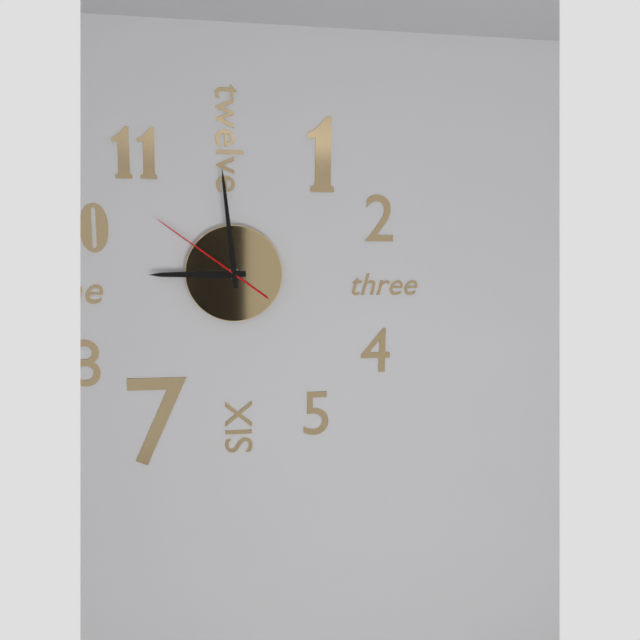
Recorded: {"hour": 8, "minute": 59, "second": 51}
